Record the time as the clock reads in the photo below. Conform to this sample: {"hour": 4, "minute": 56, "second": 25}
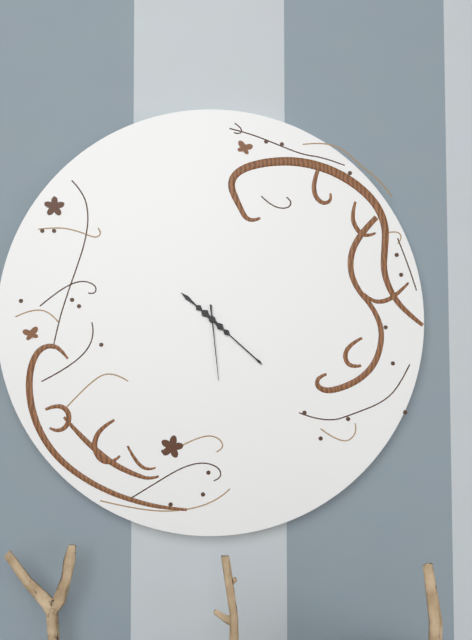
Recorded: {"hour": 10, "minute": 22, "second": 29}
